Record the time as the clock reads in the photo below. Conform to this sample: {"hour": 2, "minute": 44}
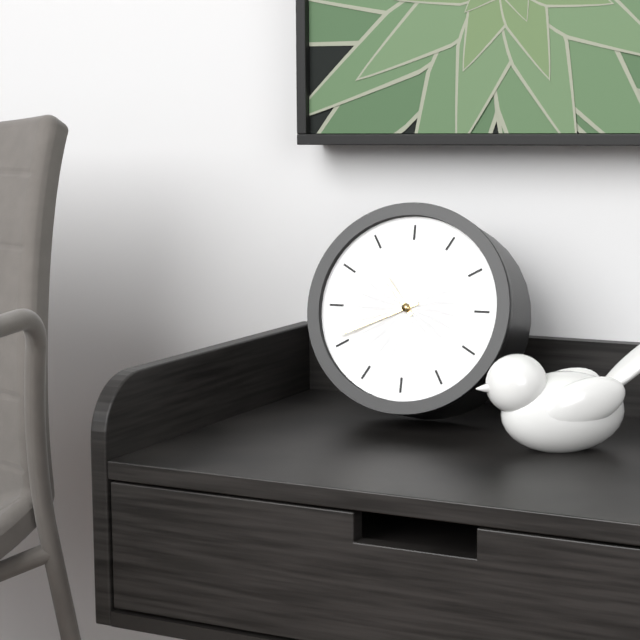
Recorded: {"hour": 10, "minute": 41}
